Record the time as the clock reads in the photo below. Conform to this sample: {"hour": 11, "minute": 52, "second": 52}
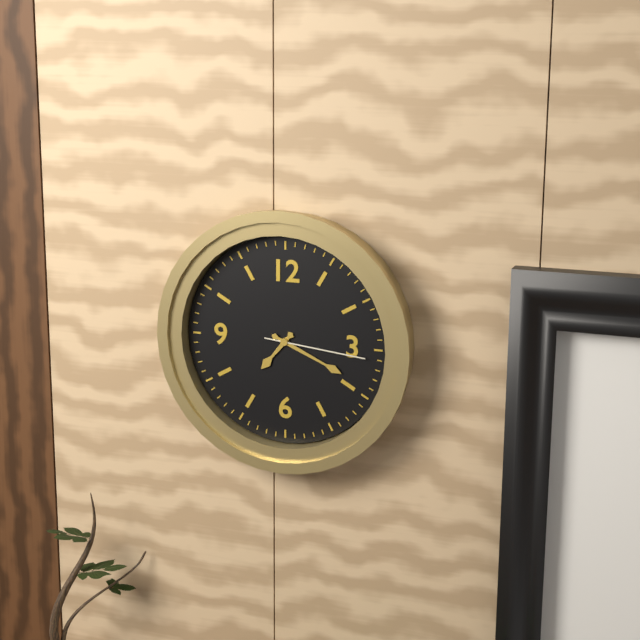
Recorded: {"hour": 7, "minute": 19, "second": 16}
